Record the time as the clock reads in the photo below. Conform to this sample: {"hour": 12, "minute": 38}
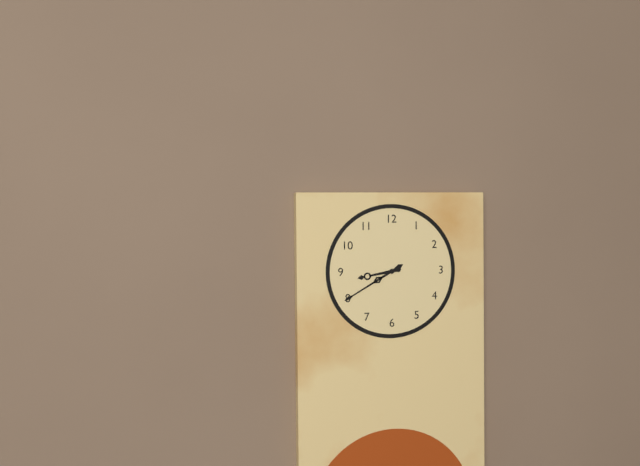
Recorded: {"hour": 8, "minute": 40}
